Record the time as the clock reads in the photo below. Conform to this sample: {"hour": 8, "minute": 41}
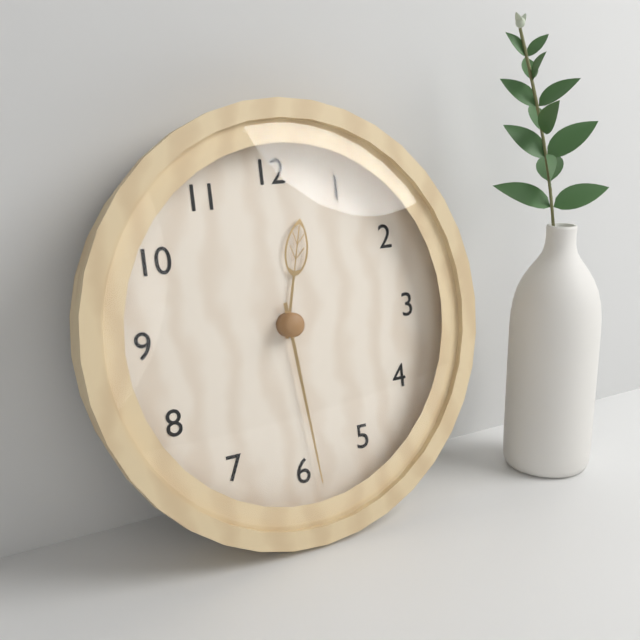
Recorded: {"hour": 12, "minute": 29}
